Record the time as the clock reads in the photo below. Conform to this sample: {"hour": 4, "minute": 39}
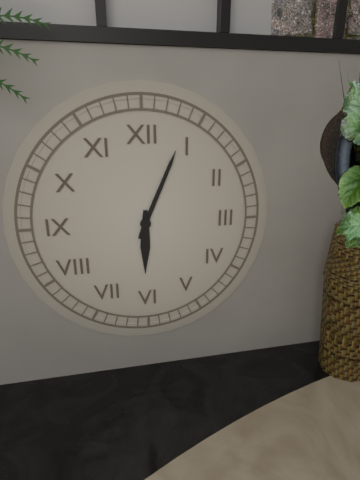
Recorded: {"hour": 6, "minute": 4}
